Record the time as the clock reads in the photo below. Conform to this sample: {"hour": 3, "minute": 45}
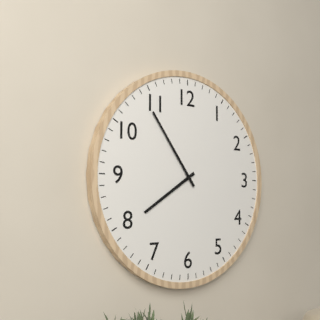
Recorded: {"hour": 7, "minute": 54}
